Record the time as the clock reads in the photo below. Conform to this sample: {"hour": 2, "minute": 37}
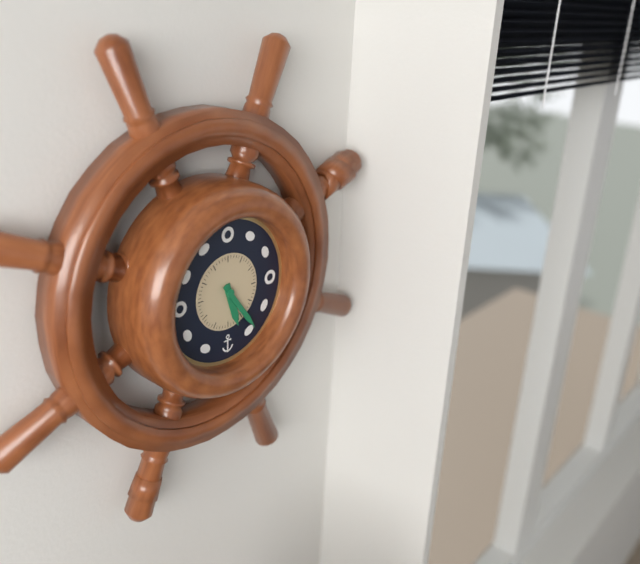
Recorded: {"hour": 5, "minute": 24}
